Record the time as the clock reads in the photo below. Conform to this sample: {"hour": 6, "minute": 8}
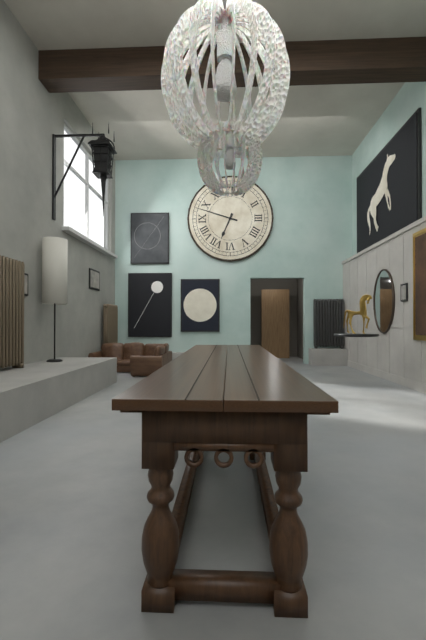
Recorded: {"hour": 6, "minute": 48}
